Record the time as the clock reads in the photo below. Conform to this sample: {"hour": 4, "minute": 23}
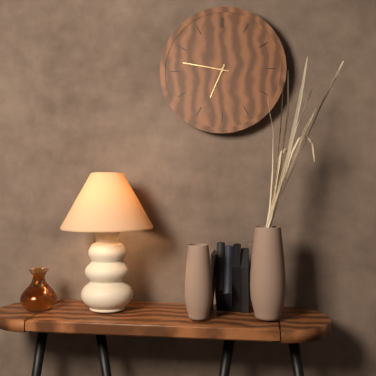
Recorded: {"hour": 6, "minute": 47}
